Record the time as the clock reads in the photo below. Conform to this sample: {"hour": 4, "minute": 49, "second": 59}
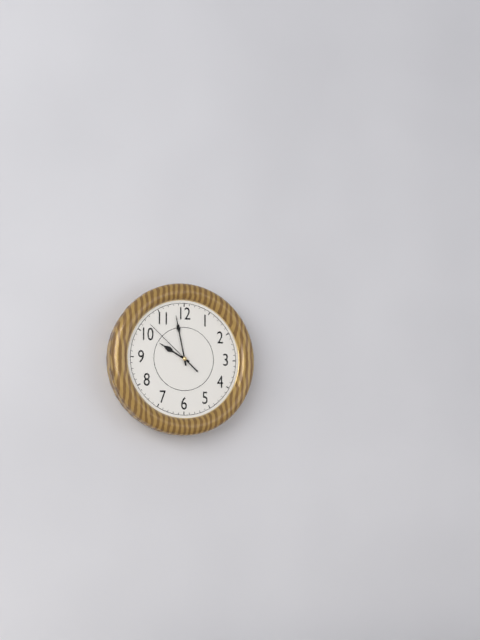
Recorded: {"hour": 9, "minute": 58, "second": 52}
